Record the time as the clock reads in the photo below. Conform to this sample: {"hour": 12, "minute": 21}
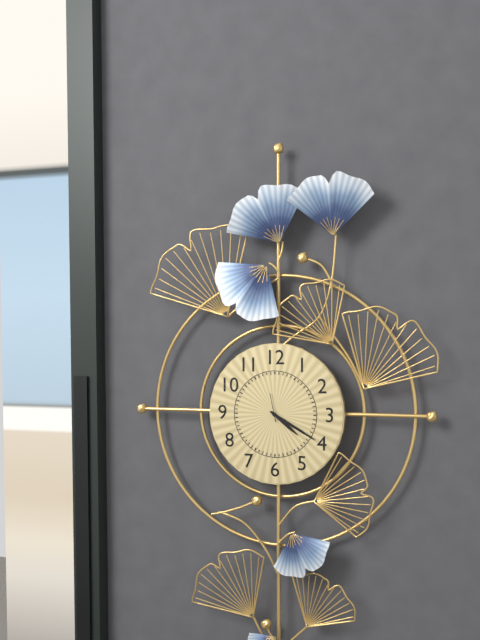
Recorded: {"hour": 4, "minute": 20}
